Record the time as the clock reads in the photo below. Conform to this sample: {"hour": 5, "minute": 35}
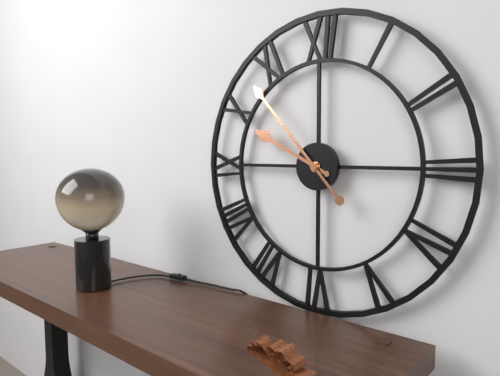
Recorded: {"hour": 9, "minute": 53}
